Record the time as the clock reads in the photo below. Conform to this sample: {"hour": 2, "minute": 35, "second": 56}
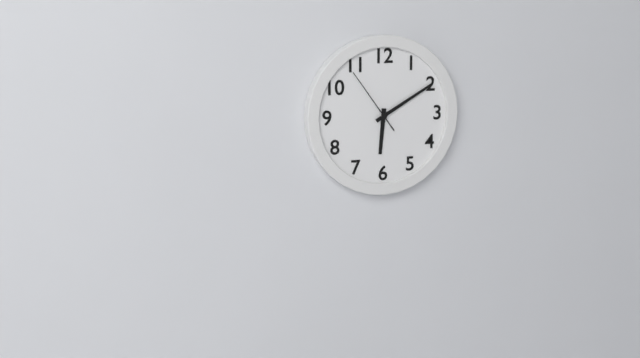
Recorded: {"hour": 6, "minute": 10, "second": 54}
